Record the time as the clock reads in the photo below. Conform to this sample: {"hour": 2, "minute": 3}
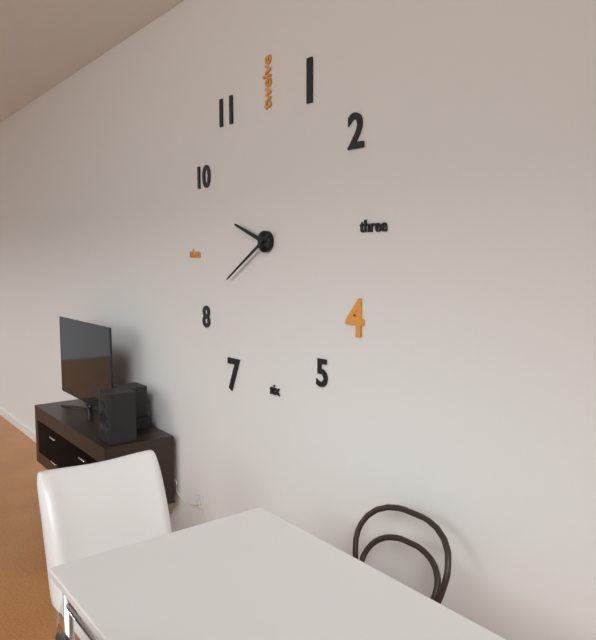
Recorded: {"hour": 9, "minute": 40}
